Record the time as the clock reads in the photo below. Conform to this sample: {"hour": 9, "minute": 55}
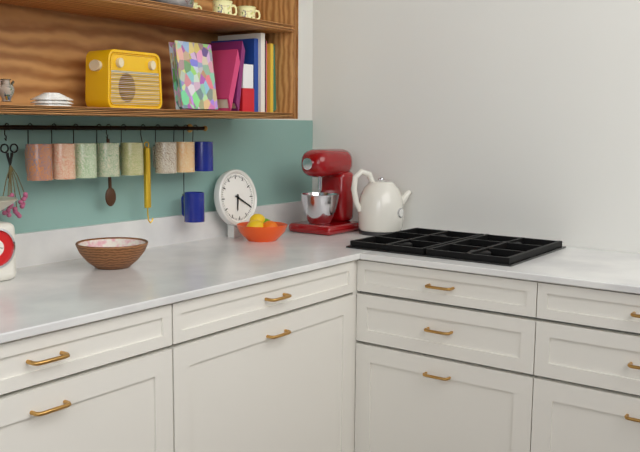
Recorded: {"hour": 6, "minute": 20}
